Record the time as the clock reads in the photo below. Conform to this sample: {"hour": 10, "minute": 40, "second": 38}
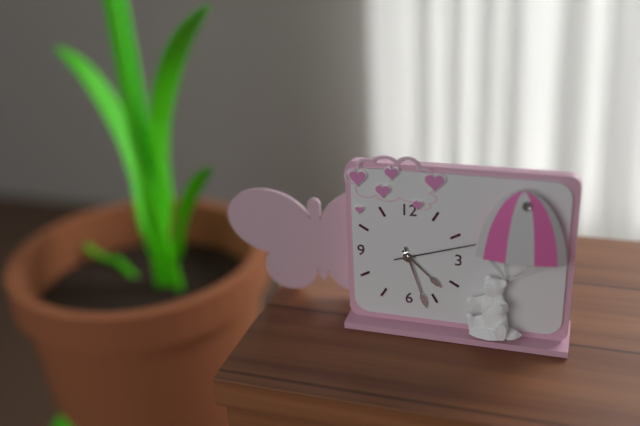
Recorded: {"hour": 4, "minute": 27, "second": 12}
